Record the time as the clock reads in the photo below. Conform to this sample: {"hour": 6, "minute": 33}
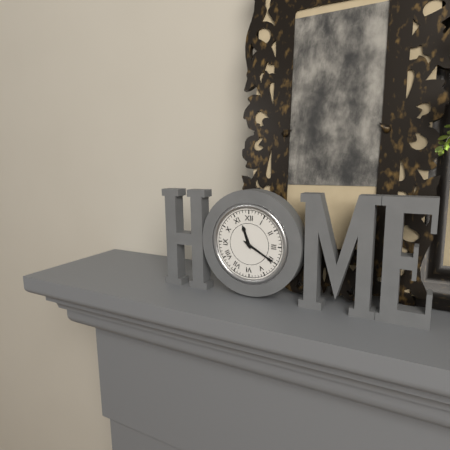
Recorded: {"hour": 11, "minute": 20}
